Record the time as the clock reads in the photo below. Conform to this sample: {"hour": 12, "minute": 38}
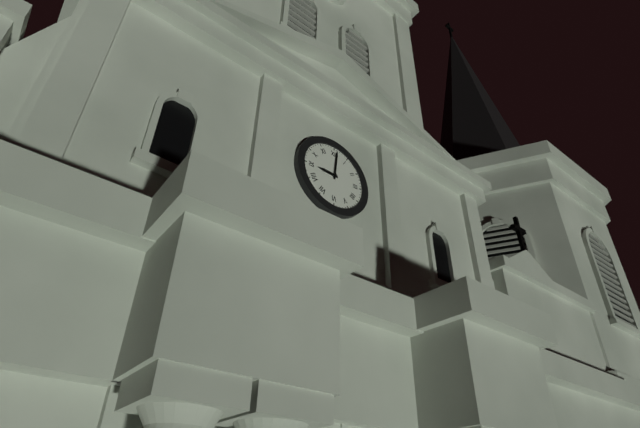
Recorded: {"hour": 9, "minute": 1}
